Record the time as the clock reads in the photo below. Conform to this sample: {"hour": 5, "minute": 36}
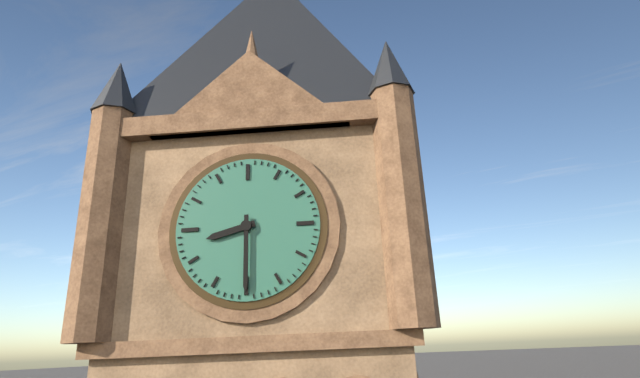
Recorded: {"hour": 8, "minute": 30}
